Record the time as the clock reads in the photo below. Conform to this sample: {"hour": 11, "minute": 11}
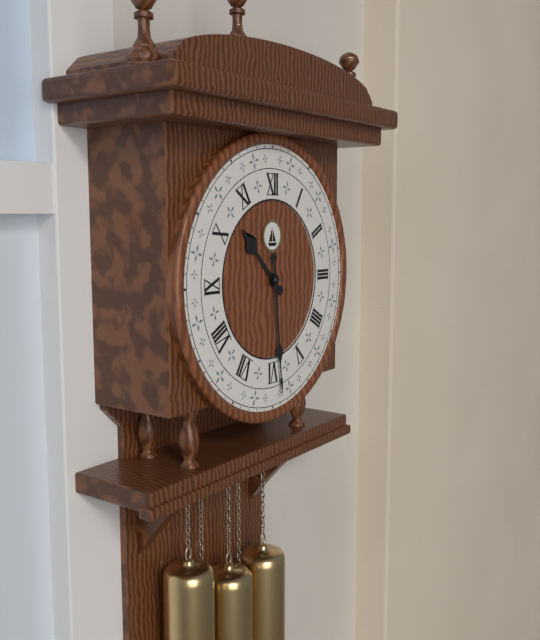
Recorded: {"hour": 10, "minute": 29}
